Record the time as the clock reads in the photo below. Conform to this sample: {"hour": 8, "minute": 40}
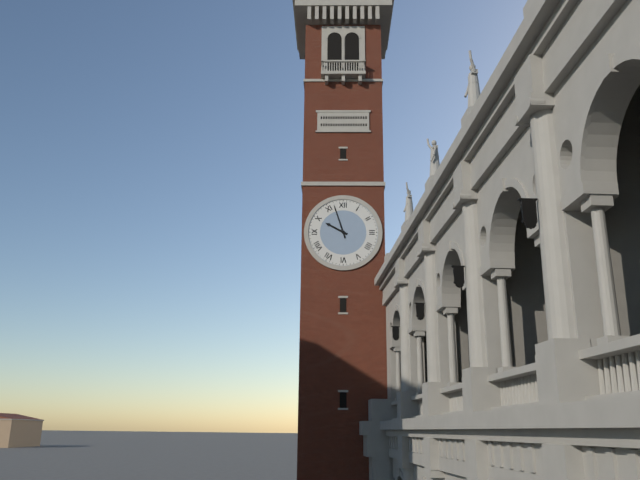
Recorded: {"hour": 9, "minute": 57}
